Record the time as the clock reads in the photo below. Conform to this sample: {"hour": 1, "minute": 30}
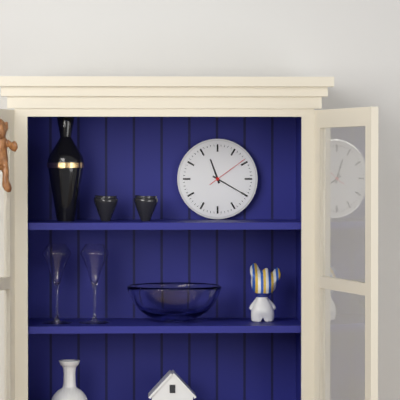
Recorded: {"hour": 11, "minute": 20}
